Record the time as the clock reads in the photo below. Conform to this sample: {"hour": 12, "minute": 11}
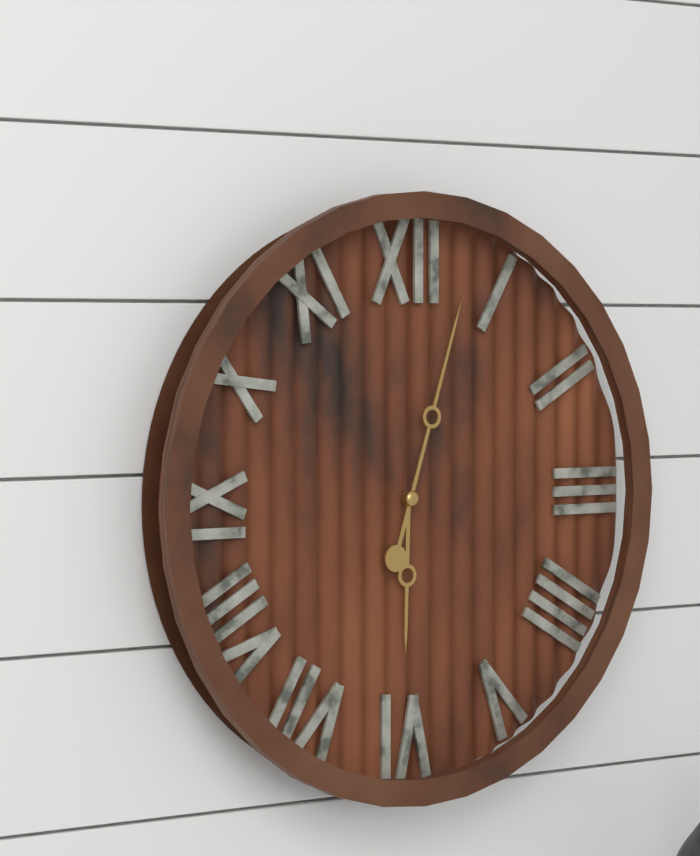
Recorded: {"hour": 6, "minute": 3}
